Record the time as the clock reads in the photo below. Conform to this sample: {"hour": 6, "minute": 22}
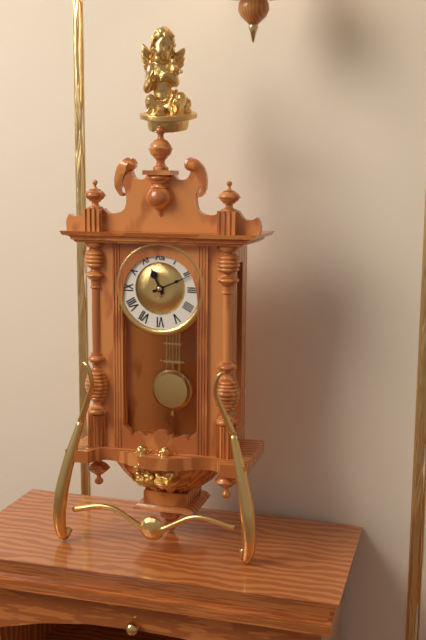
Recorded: {"hour": 11, "minute": 11}
